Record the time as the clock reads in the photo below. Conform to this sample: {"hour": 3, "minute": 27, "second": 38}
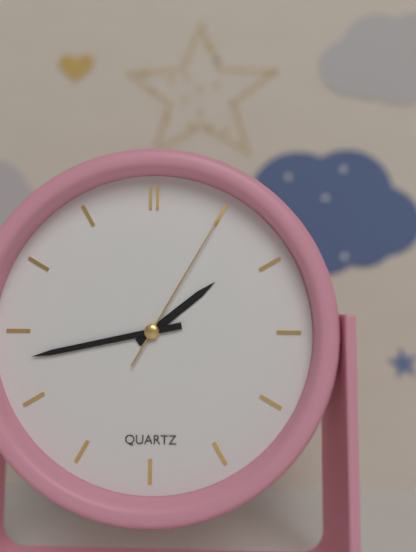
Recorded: {"hour": 1, "minute": 43, "second": 5}
